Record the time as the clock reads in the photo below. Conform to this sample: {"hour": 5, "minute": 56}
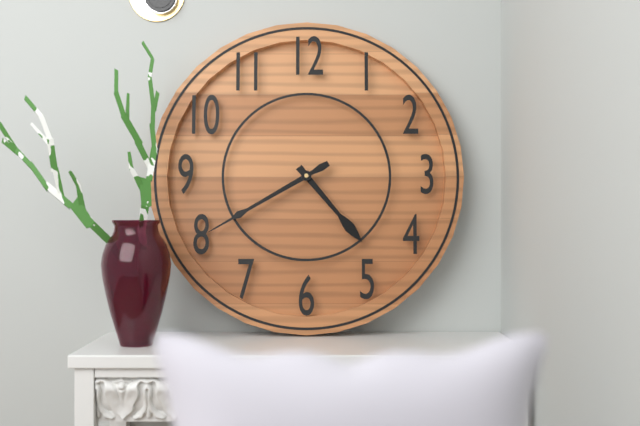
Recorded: {"hour": 4, "minute": 40}
